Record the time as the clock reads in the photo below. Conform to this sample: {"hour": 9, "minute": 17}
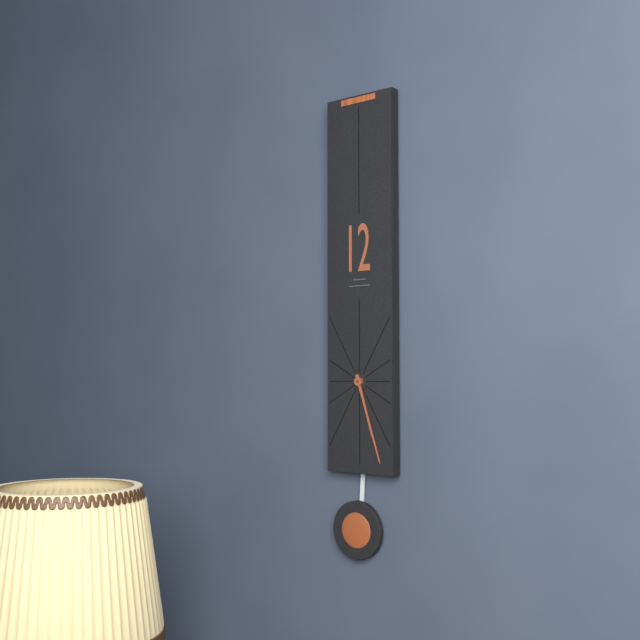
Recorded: {"hour": 5, "minute": 27}
